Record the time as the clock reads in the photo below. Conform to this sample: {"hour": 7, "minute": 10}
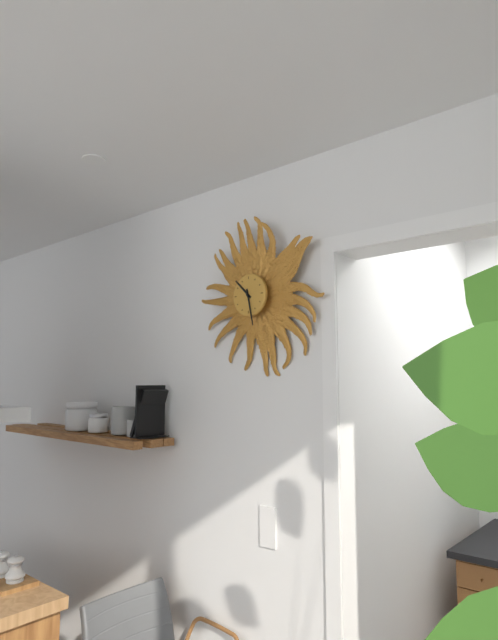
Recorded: {"hour": 10, "minute": 28}
